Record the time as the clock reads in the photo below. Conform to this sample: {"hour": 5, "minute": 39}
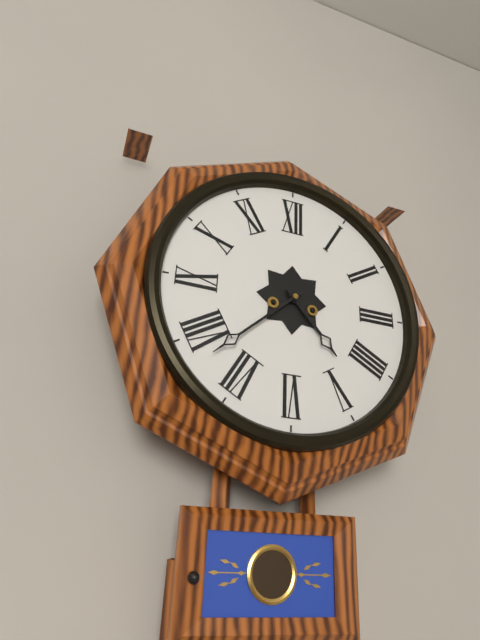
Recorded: {"hour": 4, "minute": 38}
